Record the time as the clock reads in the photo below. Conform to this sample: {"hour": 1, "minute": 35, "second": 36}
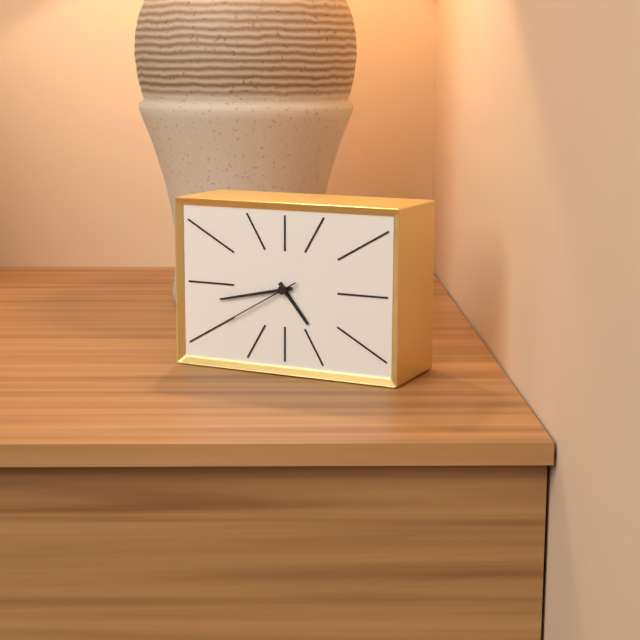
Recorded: {"hour": 4, "minute": 43, "second": 40}
